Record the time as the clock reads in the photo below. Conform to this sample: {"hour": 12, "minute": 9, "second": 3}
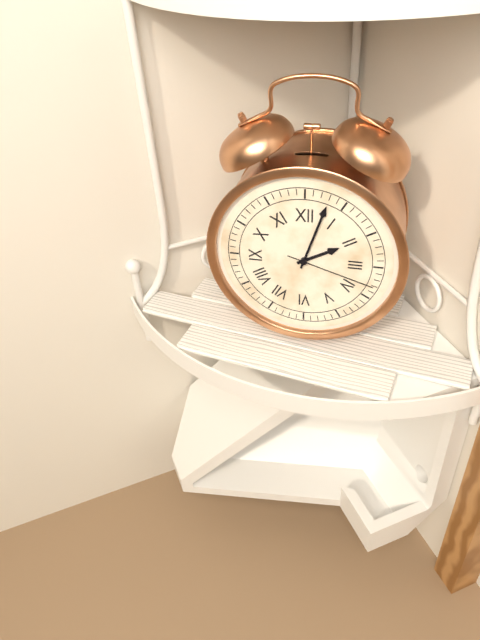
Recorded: {"hour": 2, "minute": 3, "second": 18}
